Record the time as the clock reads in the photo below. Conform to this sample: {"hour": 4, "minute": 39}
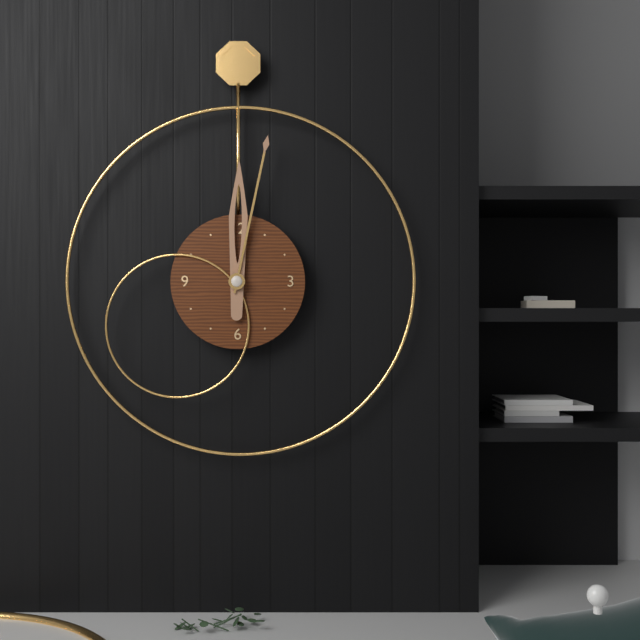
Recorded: {"hour": 12, "minute": 2}
